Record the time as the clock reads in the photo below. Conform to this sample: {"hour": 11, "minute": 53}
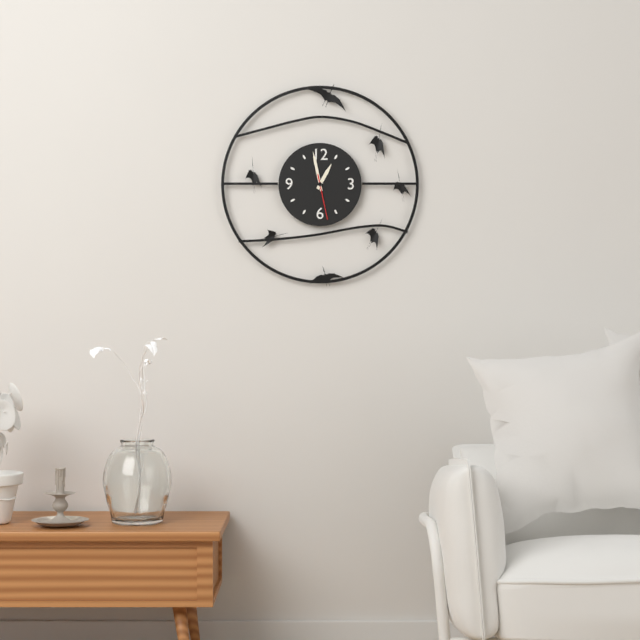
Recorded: {"hour": 12, "minute": 58}
